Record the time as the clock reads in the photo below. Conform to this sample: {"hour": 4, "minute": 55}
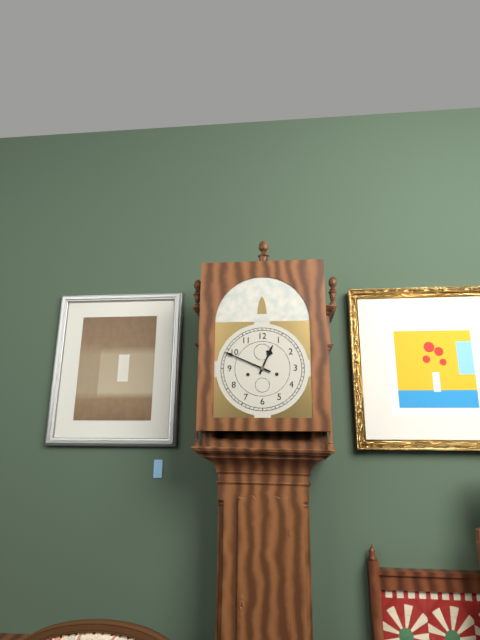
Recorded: {"hour": 12, "minute": 49}
